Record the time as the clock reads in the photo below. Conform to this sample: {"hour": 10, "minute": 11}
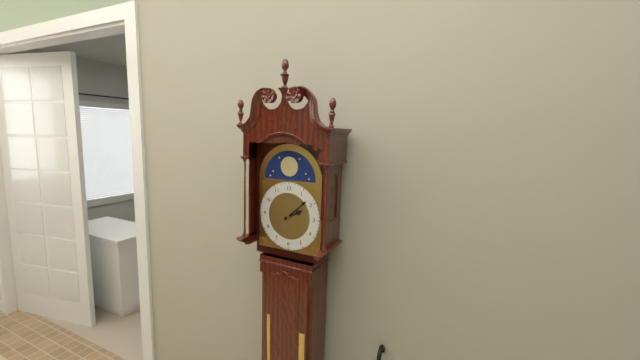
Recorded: {"hour": 2, "minute": 8}
